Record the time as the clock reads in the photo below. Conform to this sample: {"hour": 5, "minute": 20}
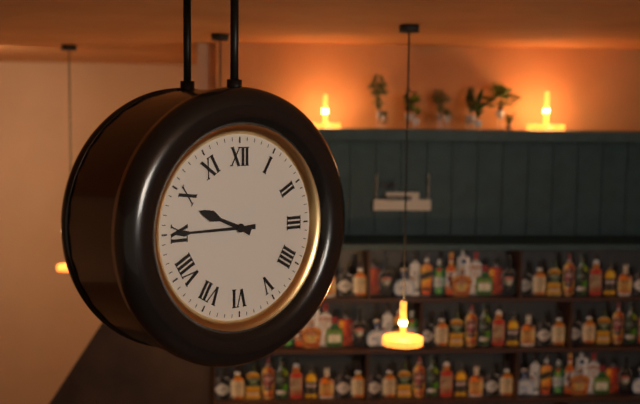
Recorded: {"hour": 9, "minute": 45}
